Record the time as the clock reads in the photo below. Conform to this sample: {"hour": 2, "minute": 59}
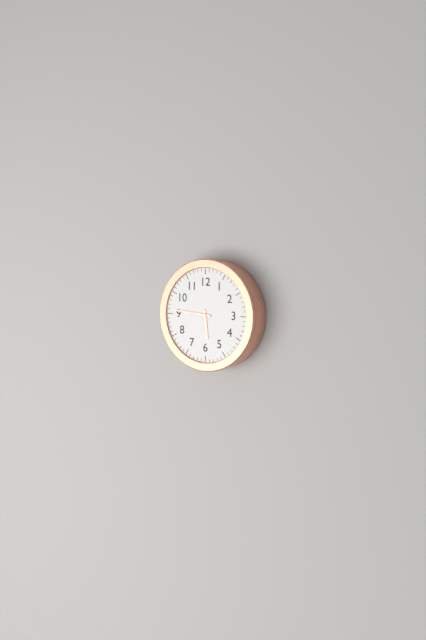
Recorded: {"hour": 5, "minute": 46}
